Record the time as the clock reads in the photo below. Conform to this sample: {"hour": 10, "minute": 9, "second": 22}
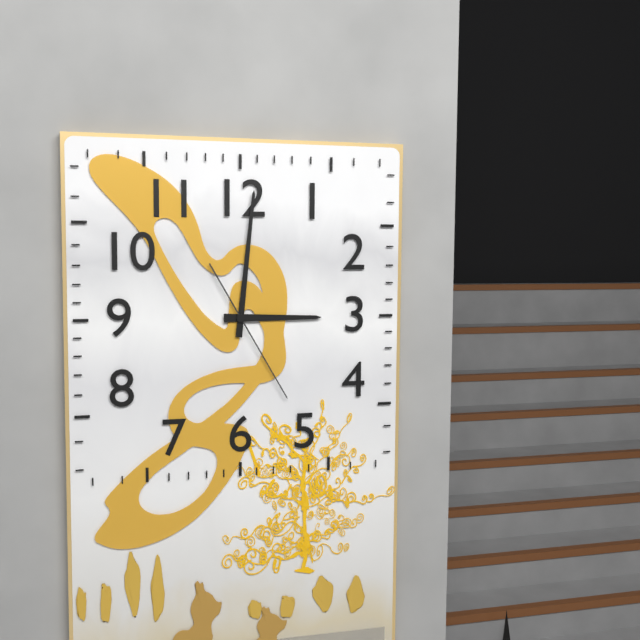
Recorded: {"hour": 3, "minute": 1, "second": 25}
